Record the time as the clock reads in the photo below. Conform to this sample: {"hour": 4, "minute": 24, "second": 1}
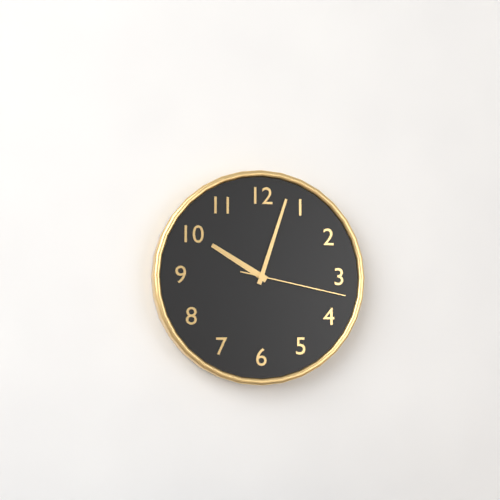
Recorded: {"hour": 10, "minute": 3, "second": 17}
